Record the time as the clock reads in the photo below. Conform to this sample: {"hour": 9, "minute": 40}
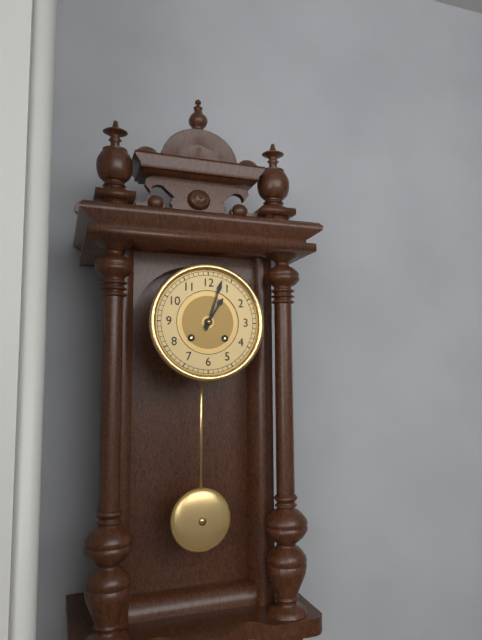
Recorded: {"hour": 1, "minute": 3}
